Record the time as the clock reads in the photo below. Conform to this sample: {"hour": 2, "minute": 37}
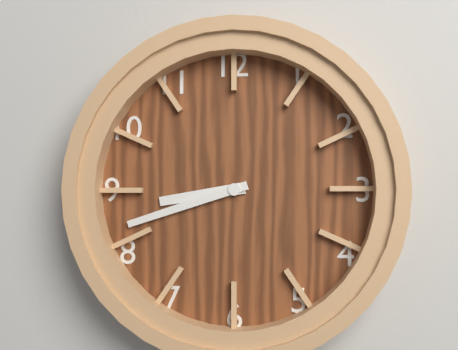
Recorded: {"hour": 8, "minute": 42}
